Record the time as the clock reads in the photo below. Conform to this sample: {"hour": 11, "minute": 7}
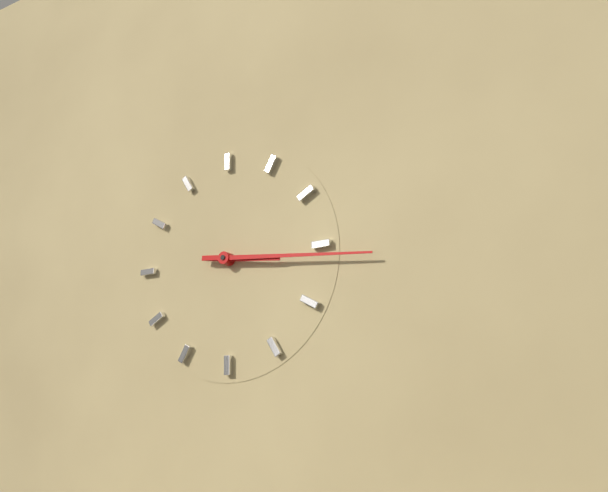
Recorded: {"hour": 3, "minute": 16}
